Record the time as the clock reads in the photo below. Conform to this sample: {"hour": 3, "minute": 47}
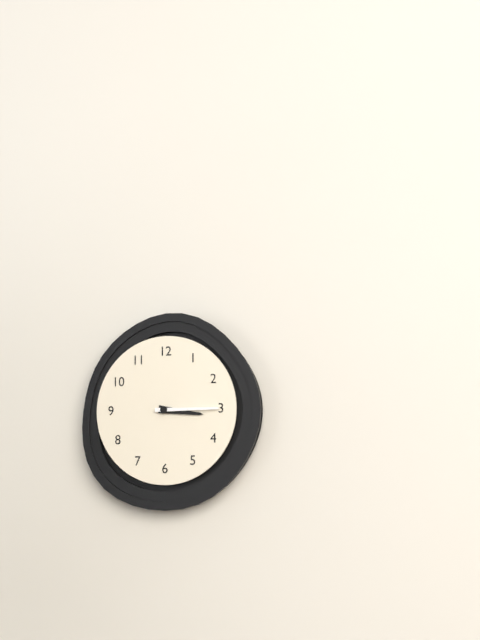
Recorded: {"hour": 3, "minute": 15}
